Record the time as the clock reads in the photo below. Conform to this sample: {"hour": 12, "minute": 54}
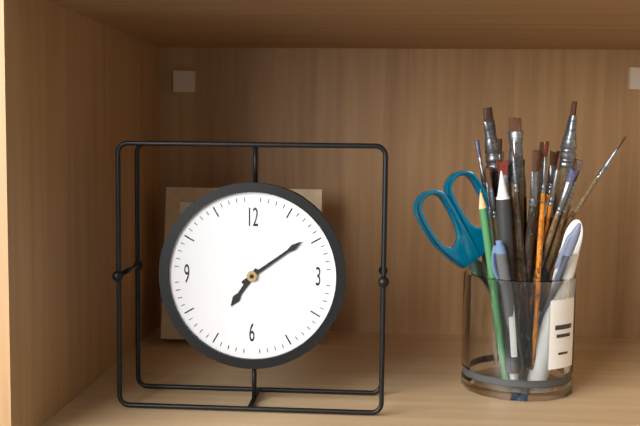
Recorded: {"hour": 7, "minute": 9}
